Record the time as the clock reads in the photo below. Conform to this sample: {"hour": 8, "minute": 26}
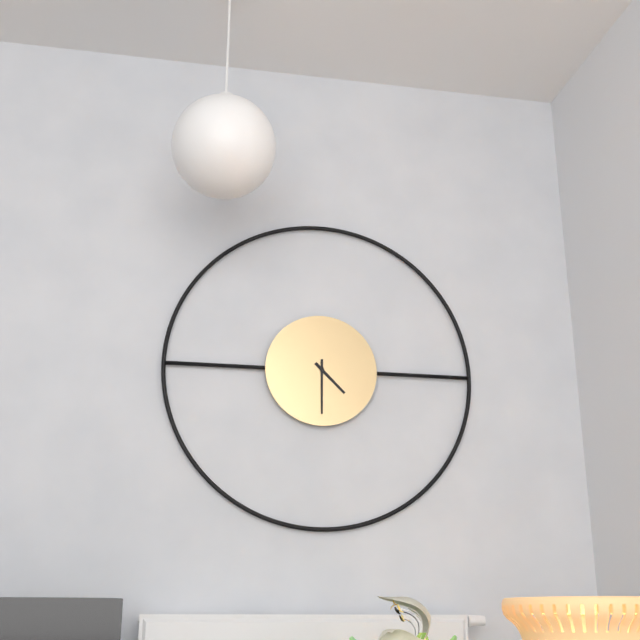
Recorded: {"hour": 4, "minute": 30}
